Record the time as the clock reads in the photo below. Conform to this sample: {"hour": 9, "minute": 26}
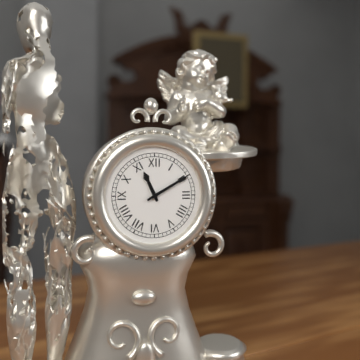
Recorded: {"hour": 11, "minute": 10}
